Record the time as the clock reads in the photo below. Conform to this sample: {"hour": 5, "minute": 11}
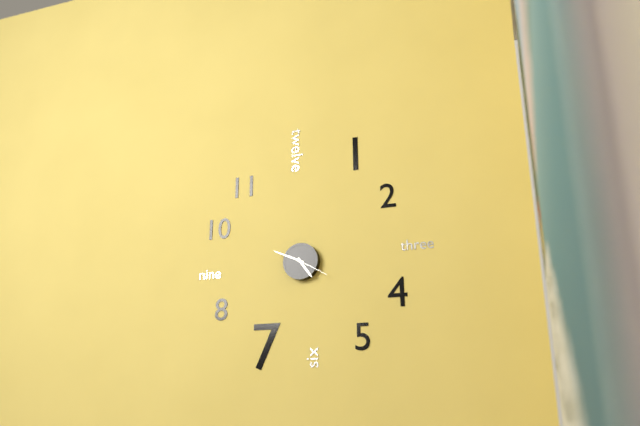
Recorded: {"hour": 4, "minute": 49}
